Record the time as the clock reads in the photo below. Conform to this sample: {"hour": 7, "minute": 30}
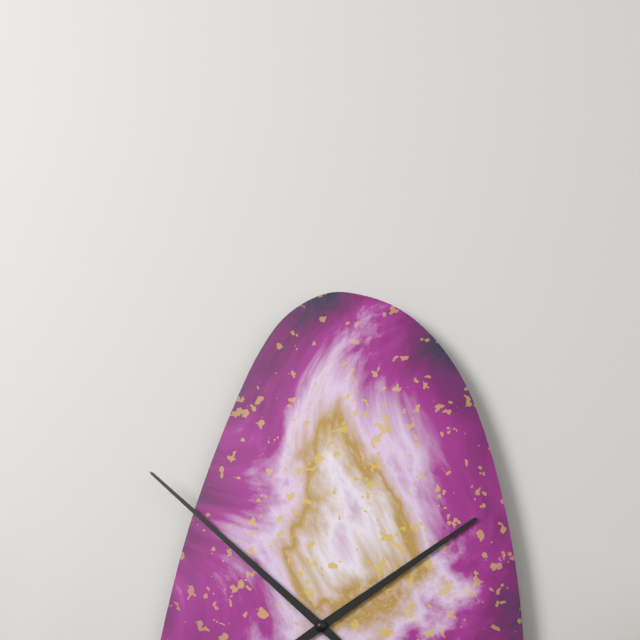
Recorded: {"hour": 1, "minute": 52}
